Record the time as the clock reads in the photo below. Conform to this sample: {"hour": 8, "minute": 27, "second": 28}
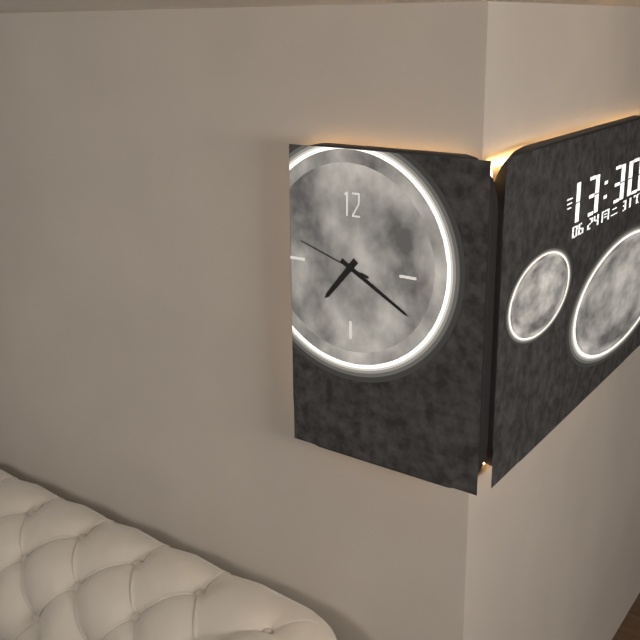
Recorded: {"hour": 7, "minute": 20, "second": 48}
